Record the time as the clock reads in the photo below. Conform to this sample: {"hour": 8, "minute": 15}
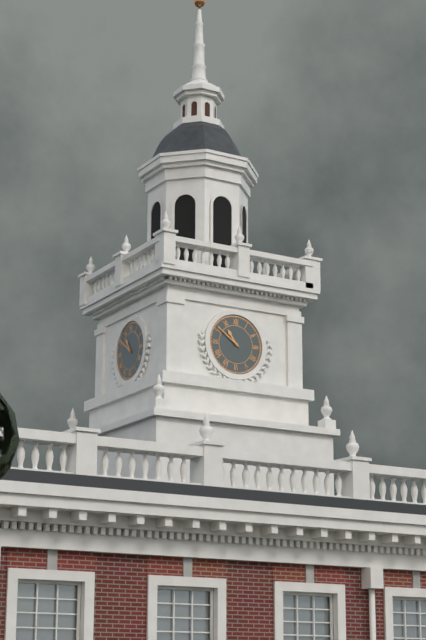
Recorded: {"hour": 10, "minute": 51}
